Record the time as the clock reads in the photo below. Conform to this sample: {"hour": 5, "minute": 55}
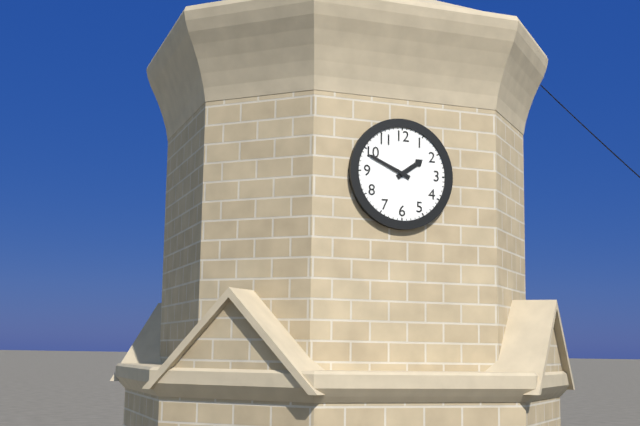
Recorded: {"hour": 1, "minute": 49}
